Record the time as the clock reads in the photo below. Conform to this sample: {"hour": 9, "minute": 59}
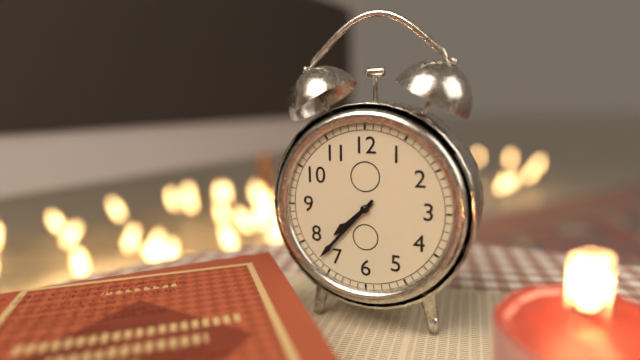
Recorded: {"hour": 7, "minute": 37}
